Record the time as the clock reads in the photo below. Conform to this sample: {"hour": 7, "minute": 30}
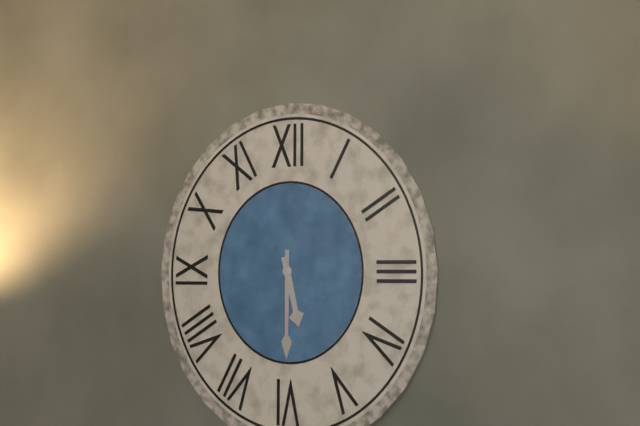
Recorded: {"hour": 5, "minute": 30}
